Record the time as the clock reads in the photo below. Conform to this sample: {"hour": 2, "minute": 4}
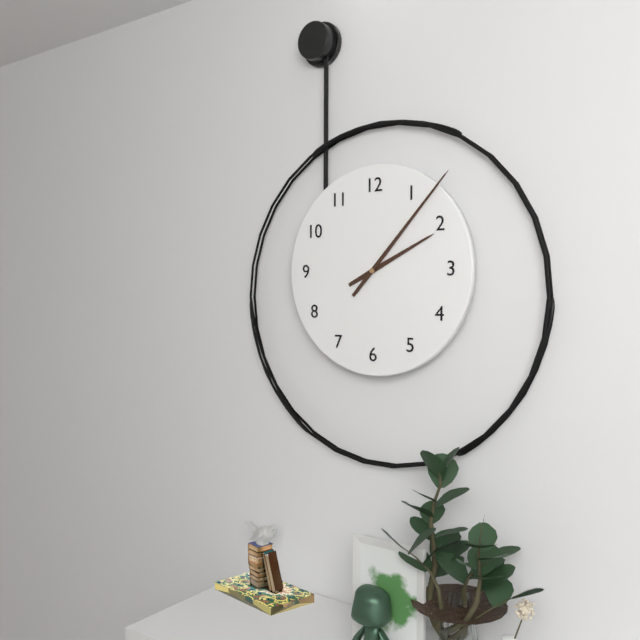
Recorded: {"hour": 2, "minute": 7}
